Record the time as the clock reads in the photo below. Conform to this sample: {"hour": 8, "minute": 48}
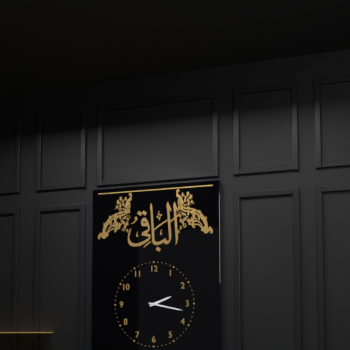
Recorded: {"hour": 2, "minute": 17}
